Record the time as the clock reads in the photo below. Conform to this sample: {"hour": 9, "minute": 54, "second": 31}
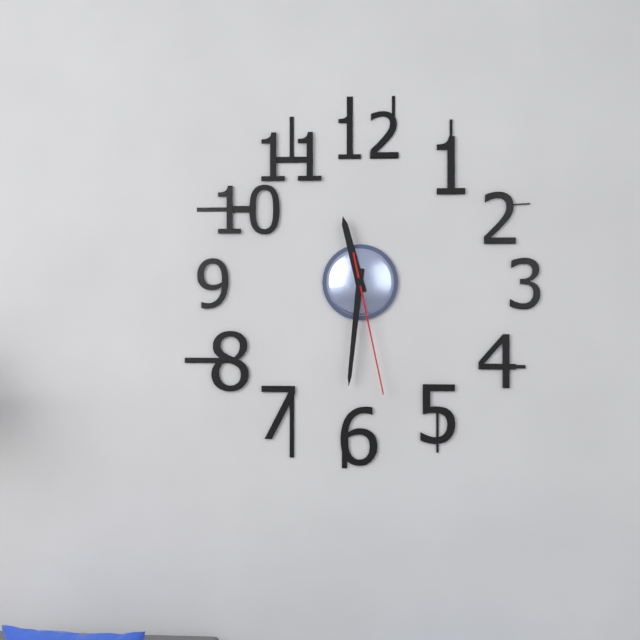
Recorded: {"hour": 11, "minute": 31, "second": 28}
